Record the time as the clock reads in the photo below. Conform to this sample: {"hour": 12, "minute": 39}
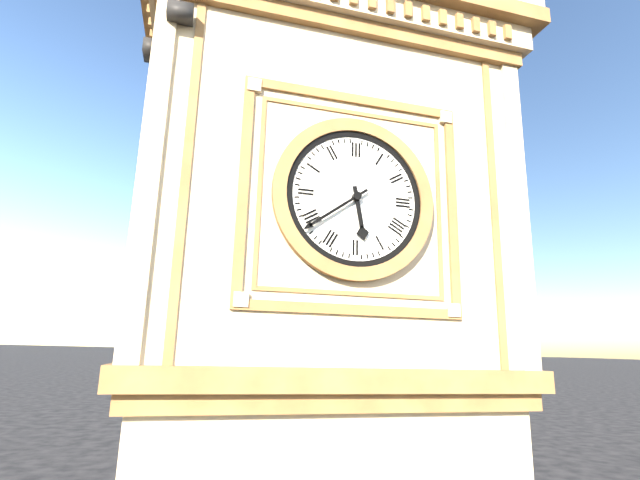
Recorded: {"hour": 5, "minute": 39}
